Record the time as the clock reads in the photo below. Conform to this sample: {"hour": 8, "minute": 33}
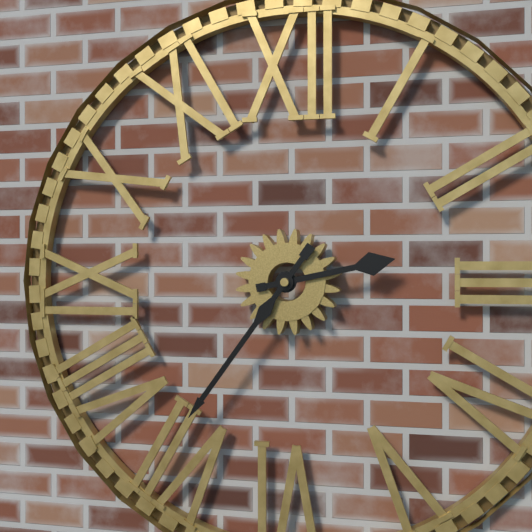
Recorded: {"hour": 2, "minute": 36}
